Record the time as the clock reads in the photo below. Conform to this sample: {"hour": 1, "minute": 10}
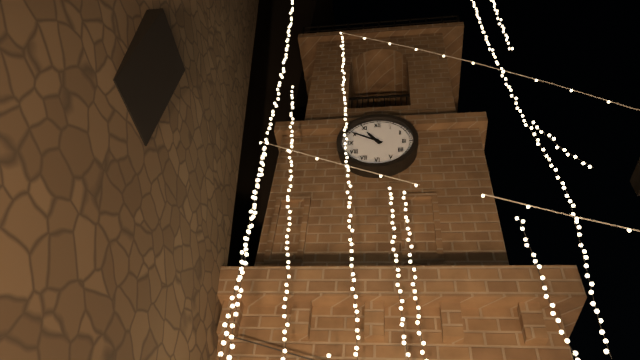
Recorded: {"hour": 10, "minute": 50}
